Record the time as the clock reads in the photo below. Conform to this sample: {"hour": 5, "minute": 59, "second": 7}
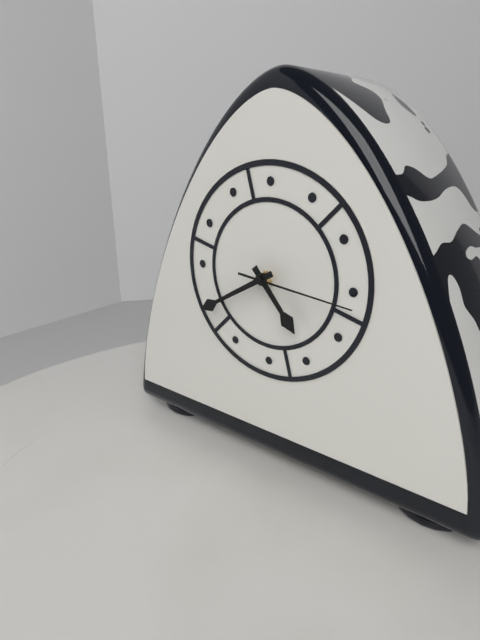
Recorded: {"hour": 4, "minute": 40, "second": 16}
